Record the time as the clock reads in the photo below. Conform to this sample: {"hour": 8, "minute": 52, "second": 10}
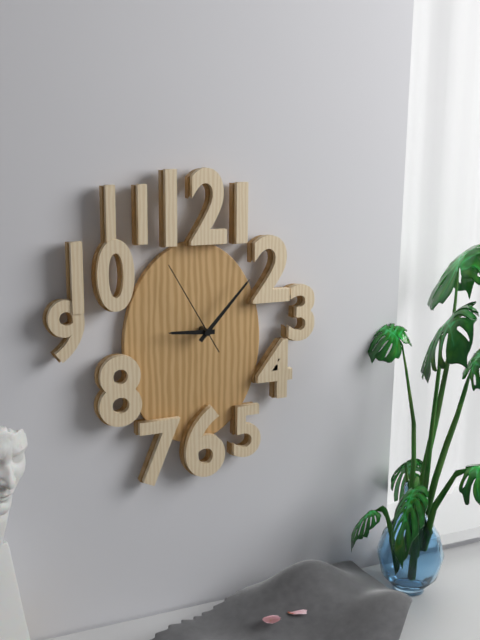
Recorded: {"hour": 9, "minute": 7, "second": 55}
